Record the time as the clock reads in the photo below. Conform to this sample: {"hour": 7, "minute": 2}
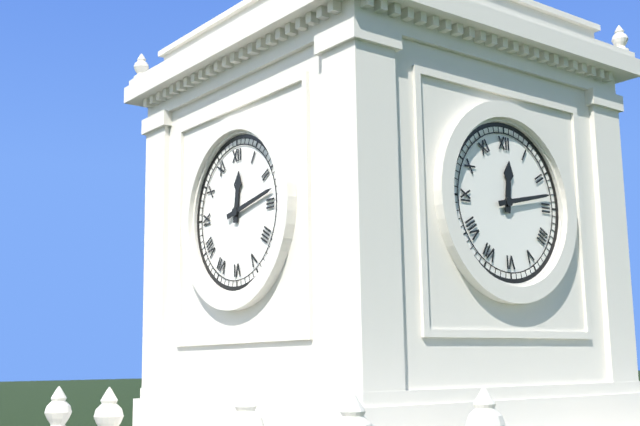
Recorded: {"hour": 12, "minute": 13}
